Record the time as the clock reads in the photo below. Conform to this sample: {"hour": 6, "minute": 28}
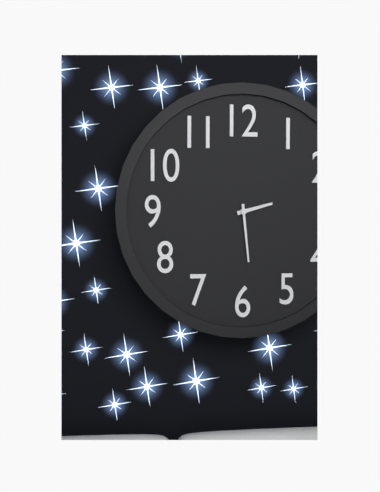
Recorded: {"hour": 2, "minute": 29}
